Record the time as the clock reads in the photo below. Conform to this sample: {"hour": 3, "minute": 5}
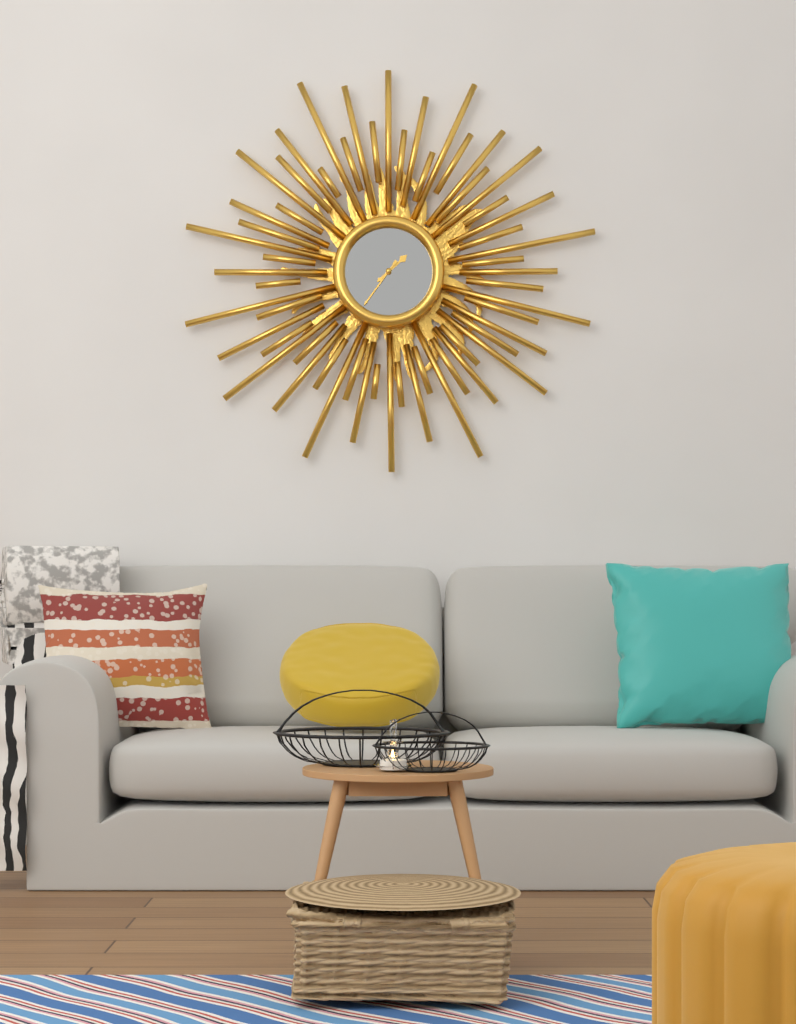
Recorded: {"hour": 1, "minute": 36}
